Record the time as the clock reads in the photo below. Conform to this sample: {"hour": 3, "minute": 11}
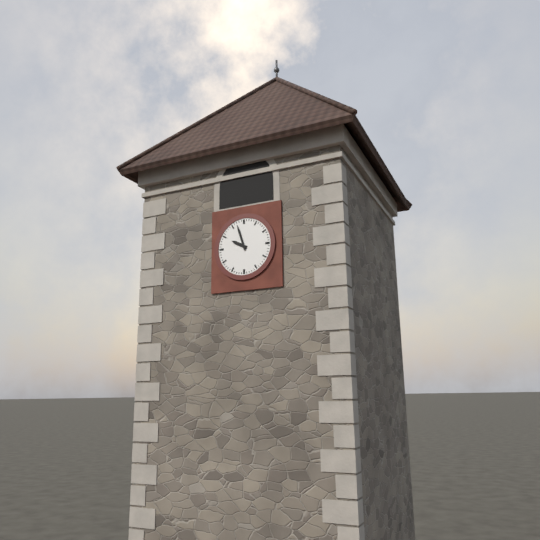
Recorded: {"hour": 9, "minute": 57}
